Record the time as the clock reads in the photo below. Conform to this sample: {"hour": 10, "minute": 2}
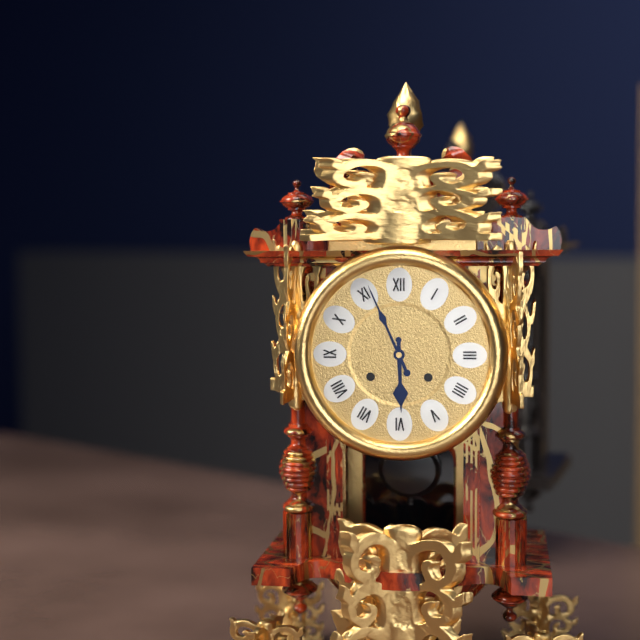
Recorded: {"hour": 5, "minute": 56}
